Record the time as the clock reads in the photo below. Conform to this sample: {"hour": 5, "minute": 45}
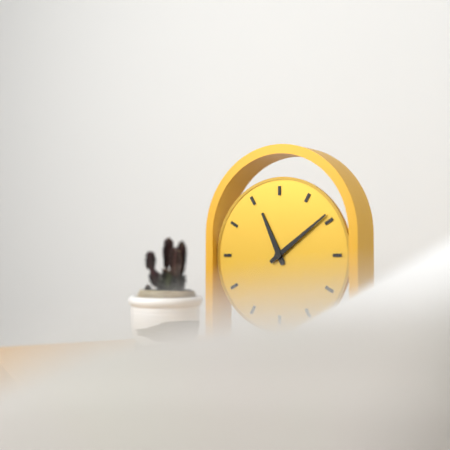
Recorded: {"hour": 11, "minute": 9}
